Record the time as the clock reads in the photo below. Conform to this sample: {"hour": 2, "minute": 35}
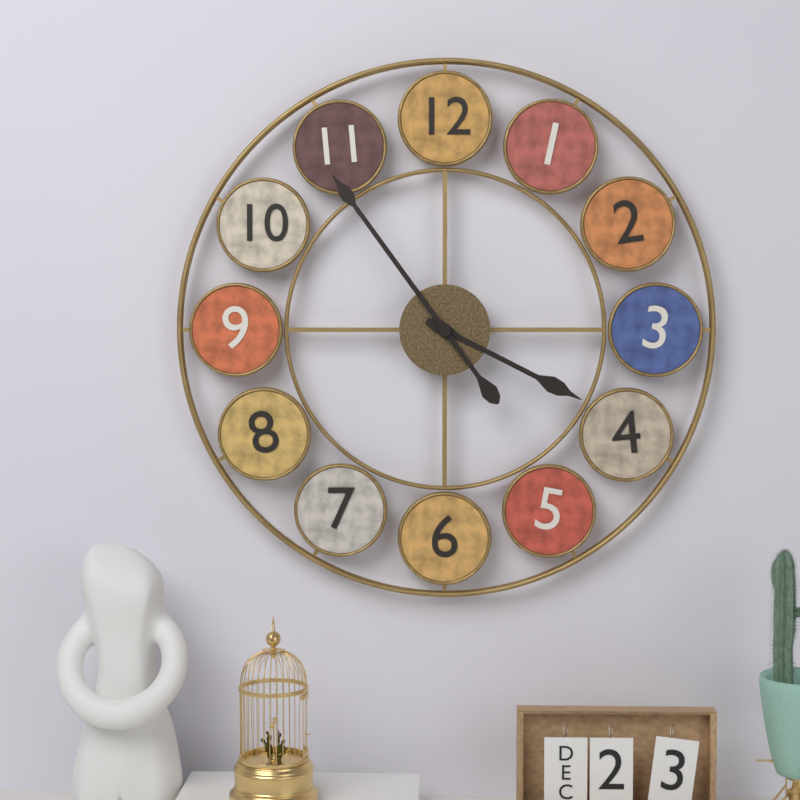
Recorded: {"hour": 3, "minute": 54}
